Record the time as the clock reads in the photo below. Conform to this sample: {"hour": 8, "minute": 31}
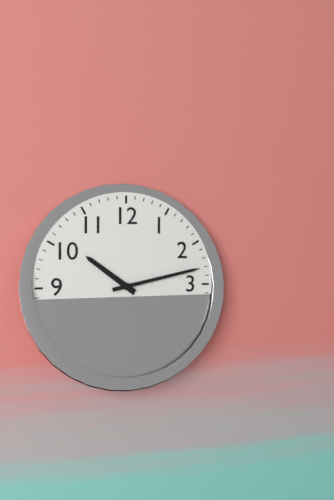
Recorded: {"hour": 10, "minute": 13}
